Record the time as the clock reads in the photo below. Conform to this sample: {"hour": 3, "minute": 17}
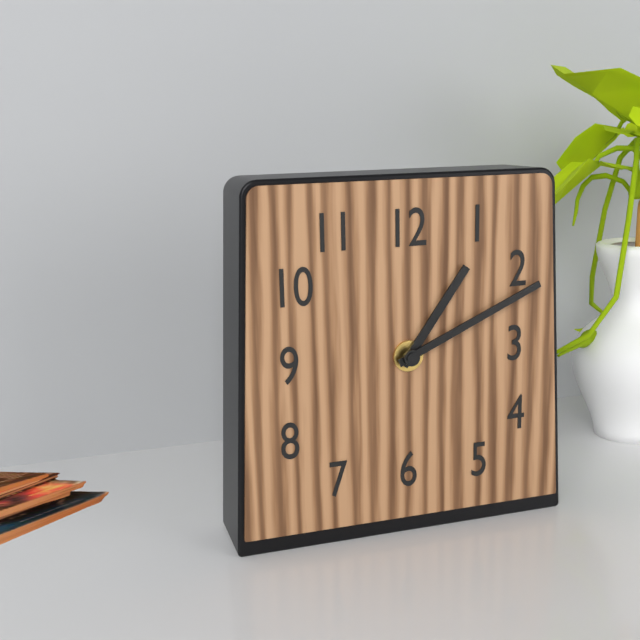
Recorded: {"hour": 1, "minute": 11}
